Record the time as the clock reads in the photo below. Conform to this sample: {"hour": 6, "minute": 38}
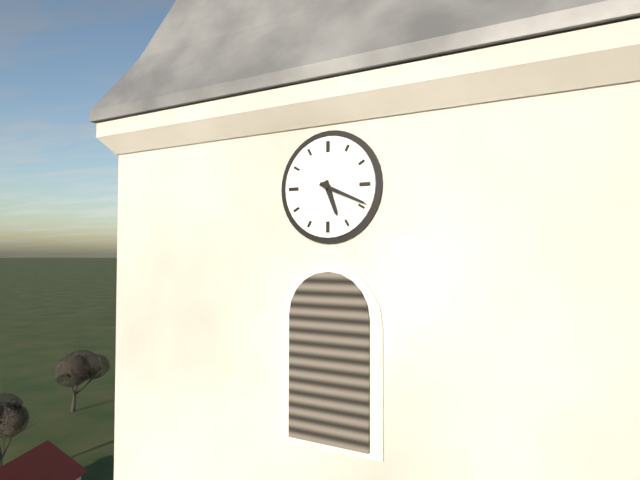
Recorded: {"hour": 5, "minute": 19}
